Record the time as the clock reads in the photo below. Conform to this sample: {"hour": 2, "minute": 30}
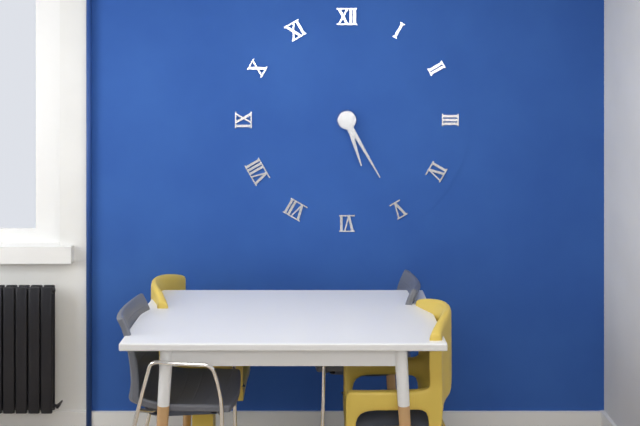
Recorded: {"hour": 5, "minute": 25}
